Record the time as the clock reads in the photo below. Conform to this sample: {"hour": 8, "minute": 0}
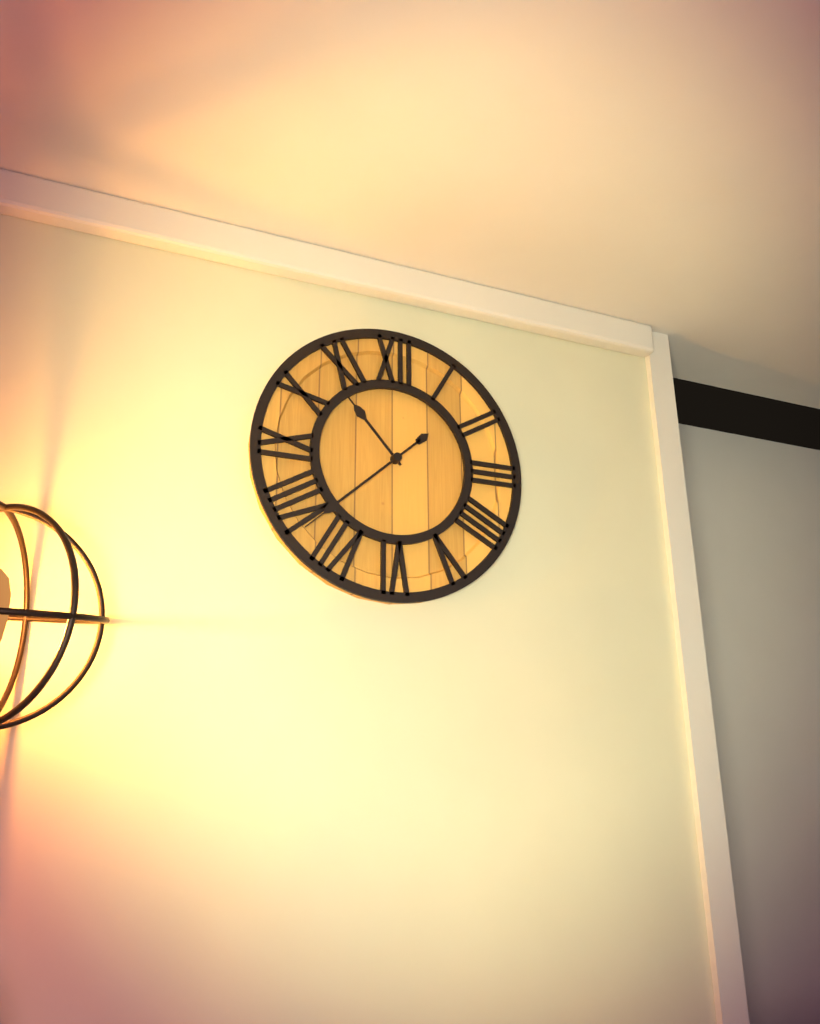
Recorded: {"hour": 10, "minute": 38}
